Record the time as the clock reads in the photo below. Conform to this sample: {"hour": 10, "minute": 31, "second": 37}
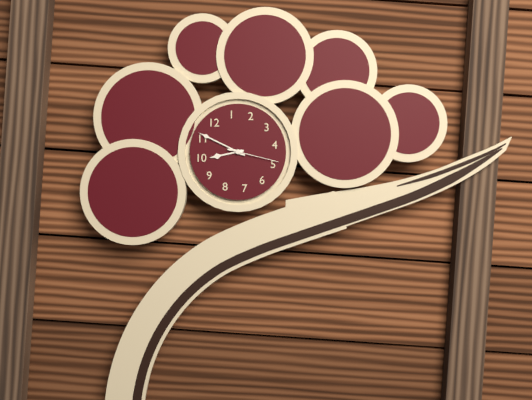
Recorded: {"hour": 9, "minute": 56, "second": 24}
